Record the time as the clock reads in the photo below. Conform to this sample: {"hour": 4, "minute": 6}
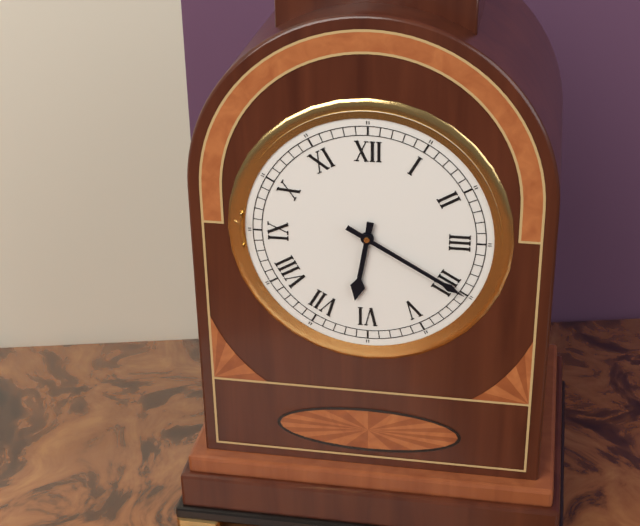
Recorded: {"hour": 6, "minute": 20}
